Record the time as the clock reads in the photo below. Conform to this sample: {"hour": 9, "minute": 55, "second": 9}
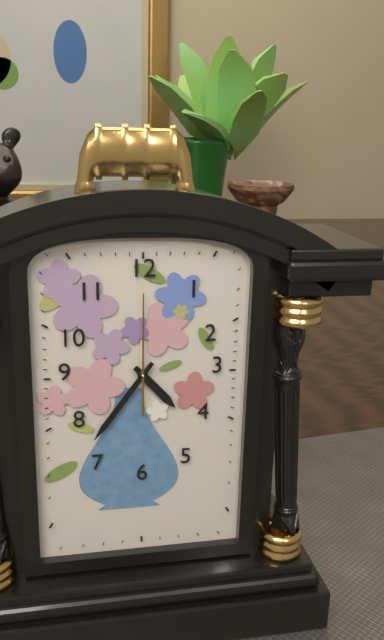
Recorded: {"hour": 4, "minute": 36, "second": 0}
